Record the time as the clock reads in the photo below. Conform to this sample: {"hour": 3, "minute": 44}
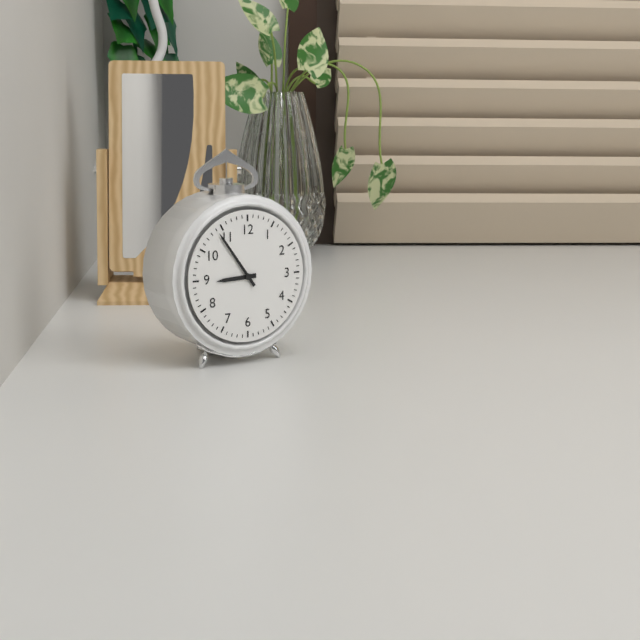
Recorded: {"hour": 8, "minute": 54}
